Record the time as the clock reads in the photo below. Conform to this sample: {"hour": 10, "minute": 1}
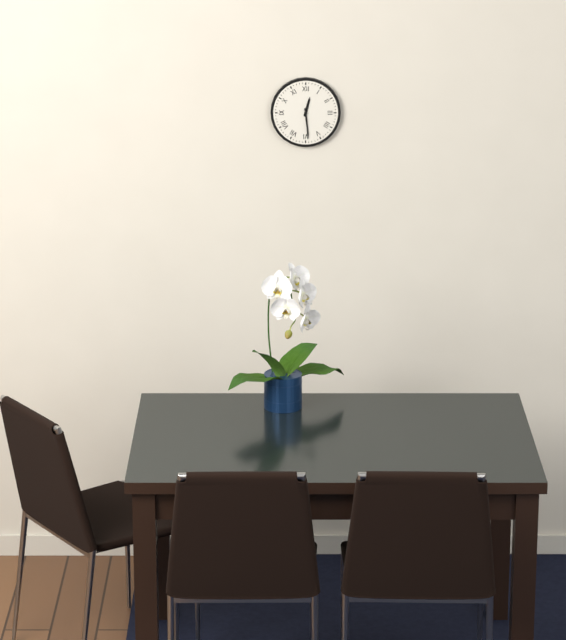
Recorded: {"hour": 12, "minute": 29}
